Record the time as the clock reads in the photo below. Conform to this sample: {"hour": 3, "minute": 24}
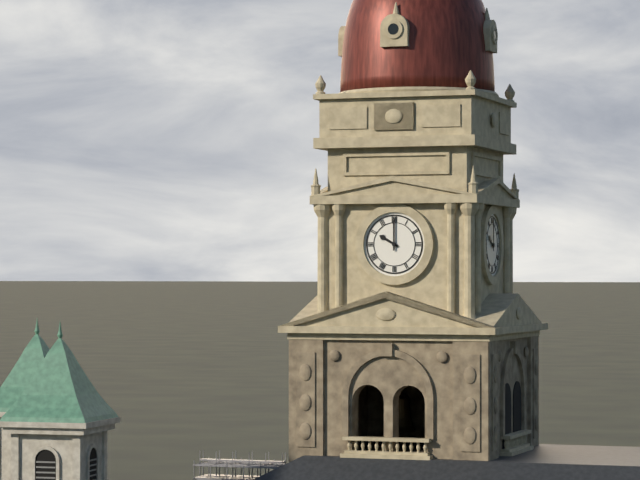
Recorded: {"hour": 10, "minute": 0}
